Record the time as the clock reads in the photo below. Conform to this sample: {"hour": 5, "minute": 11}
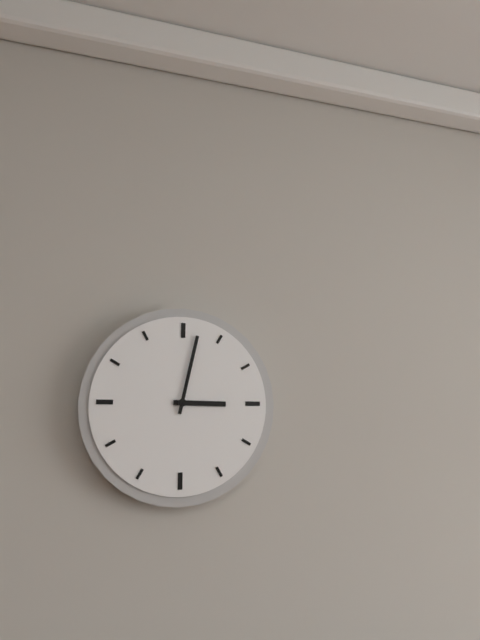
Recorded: {"hour": 3, "minute": 2}
